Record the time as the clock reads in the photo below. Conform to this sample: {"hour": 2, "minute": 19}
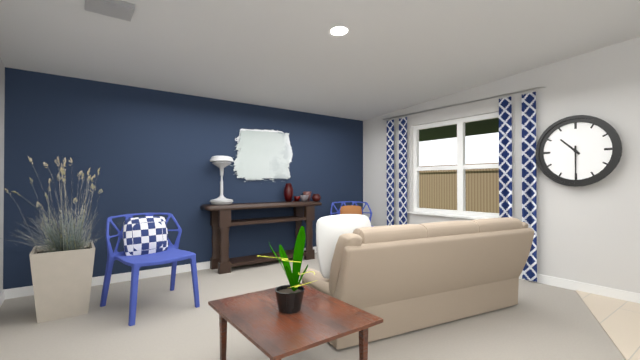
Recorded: {"hour": 10, "minute": 30}
